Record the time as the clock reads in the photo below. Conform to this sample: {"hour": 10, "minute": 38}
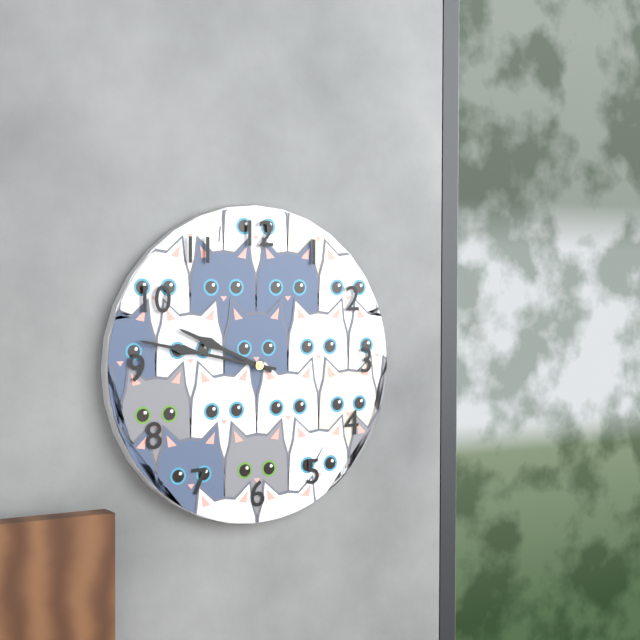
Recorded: {"hour": 9, "minute": 47}
